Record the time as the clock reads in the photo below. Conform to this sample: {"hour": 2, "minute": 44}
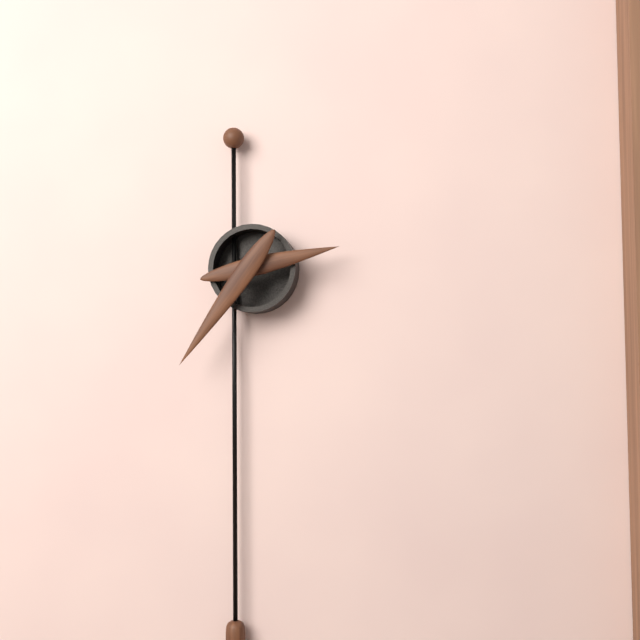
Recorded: {"hour": 2, "minute": 36}
